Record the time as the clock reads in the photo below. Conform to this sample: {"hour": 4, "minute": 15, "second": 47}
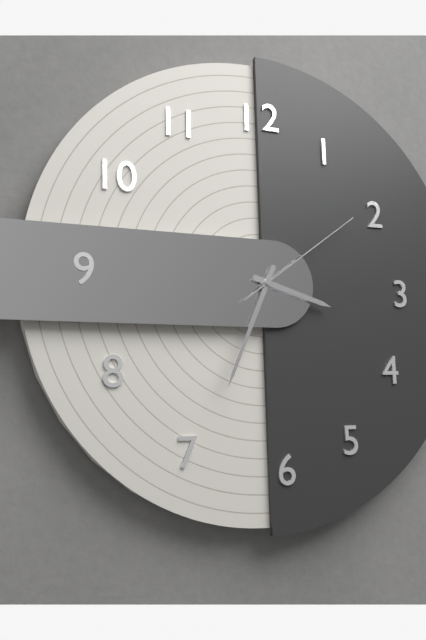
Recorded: {"hour": 3, "minute": 34, "second": 9}
